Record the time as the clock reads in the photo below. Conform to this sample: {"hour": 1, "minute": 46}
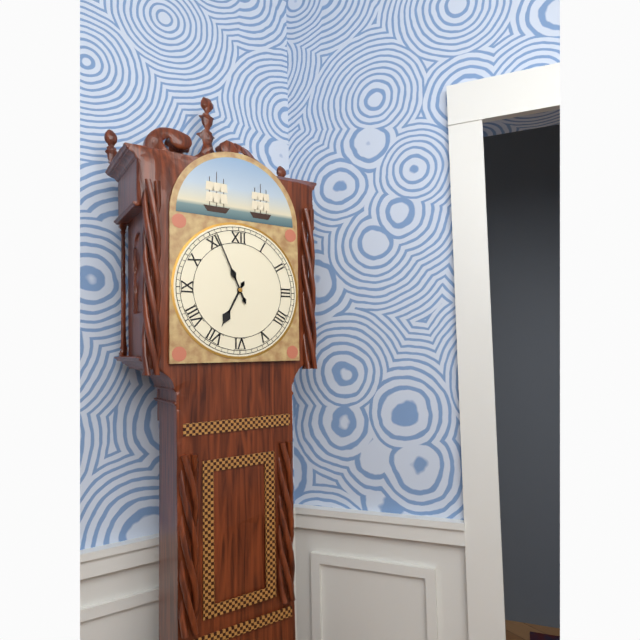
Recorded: {"hour": 6, "minute": 56}
